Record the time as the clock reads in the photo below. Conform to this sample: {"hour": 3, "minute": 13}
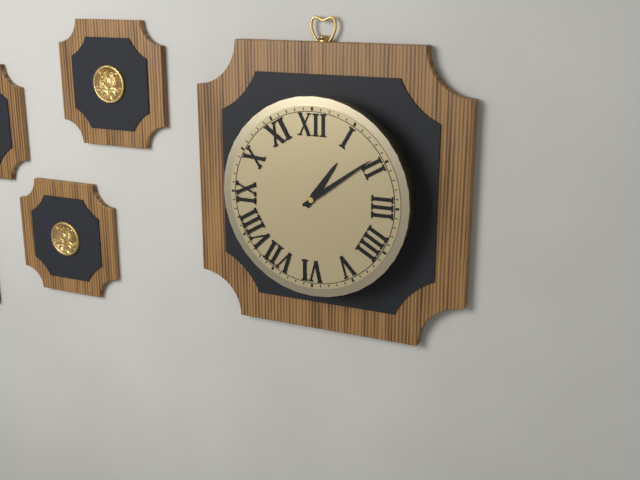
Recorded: {"hour": 1, "minute": 9}
